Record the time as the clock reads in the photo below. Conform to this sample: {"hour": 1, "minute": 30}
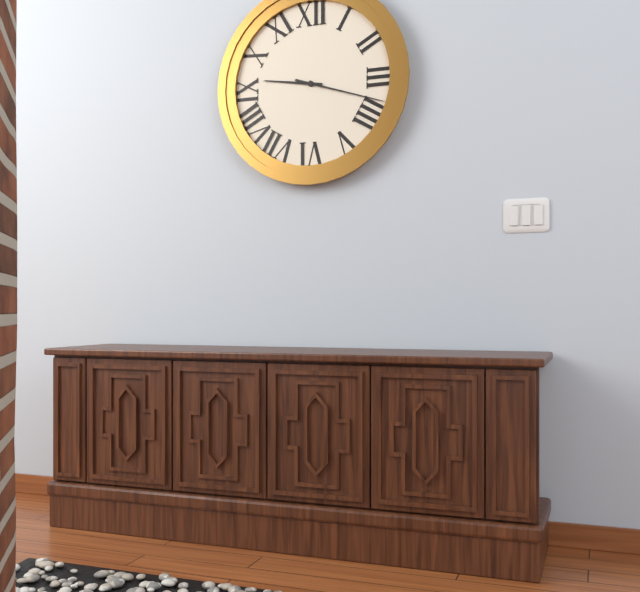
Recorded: {"hour": 9, "minute": 18}
